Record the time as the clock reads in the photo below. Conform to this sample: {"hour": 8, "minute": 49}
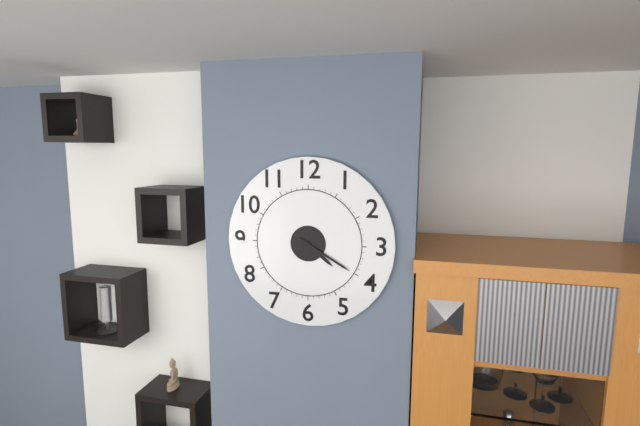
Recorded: {"hour": 4, "minute": 20}
